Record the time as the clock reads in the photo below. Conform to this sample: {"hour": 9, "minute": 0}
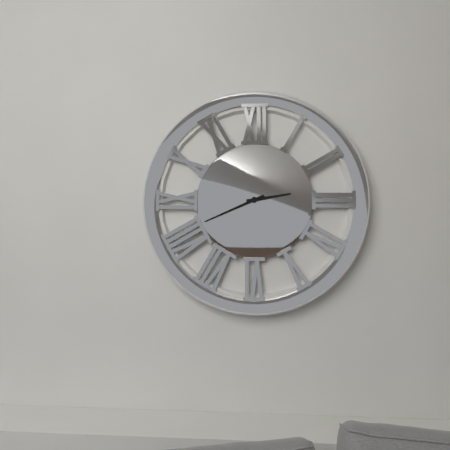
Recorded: {"hour": 2, "minute": 41}
